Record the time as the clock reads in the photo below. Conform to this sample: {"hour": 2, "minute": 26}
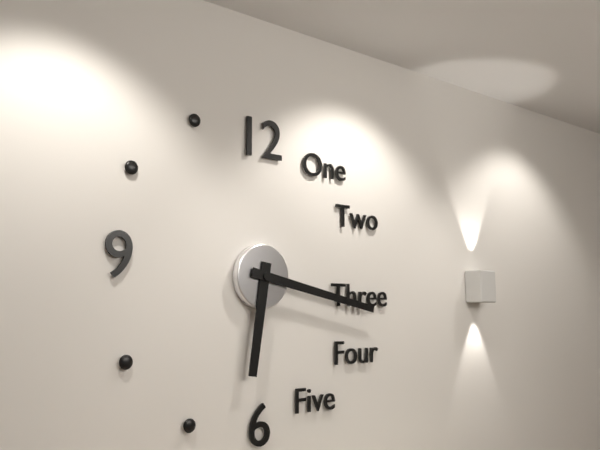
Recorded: {"hour": 6, "minute": 17}
